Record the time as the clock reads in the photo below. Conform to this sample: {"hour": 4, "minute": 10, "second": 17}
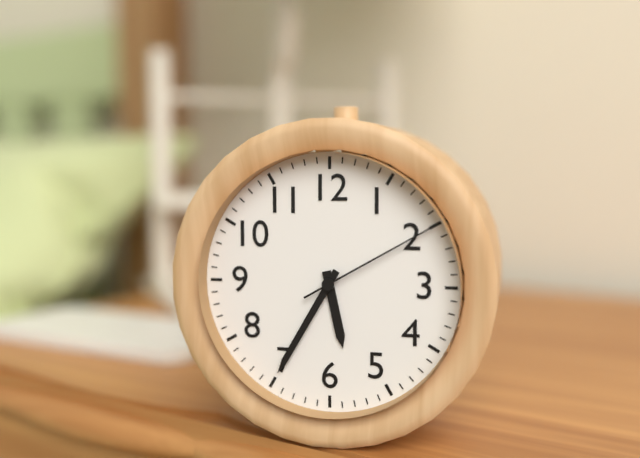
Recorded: {"hour": 5, "minute": 35, "second": 10}
